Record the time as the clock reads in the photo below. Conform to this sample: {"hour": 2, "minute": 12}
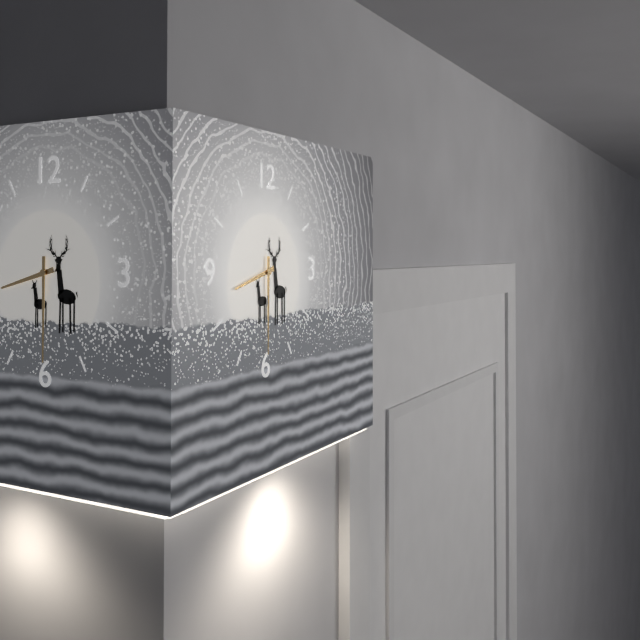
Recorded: {"hour": 8, "minute": 30}
